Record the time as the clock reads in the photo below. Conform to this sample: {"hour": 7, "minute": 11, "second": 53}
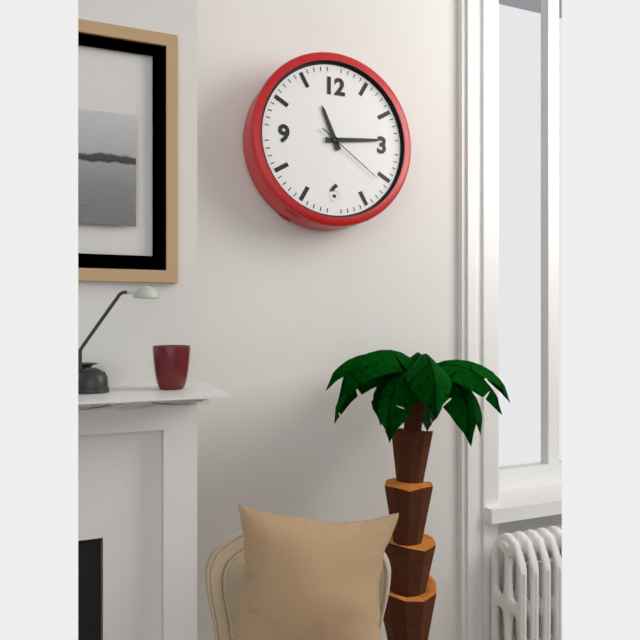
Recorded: {"hour": 11, "minute": 14, "second": 21}
